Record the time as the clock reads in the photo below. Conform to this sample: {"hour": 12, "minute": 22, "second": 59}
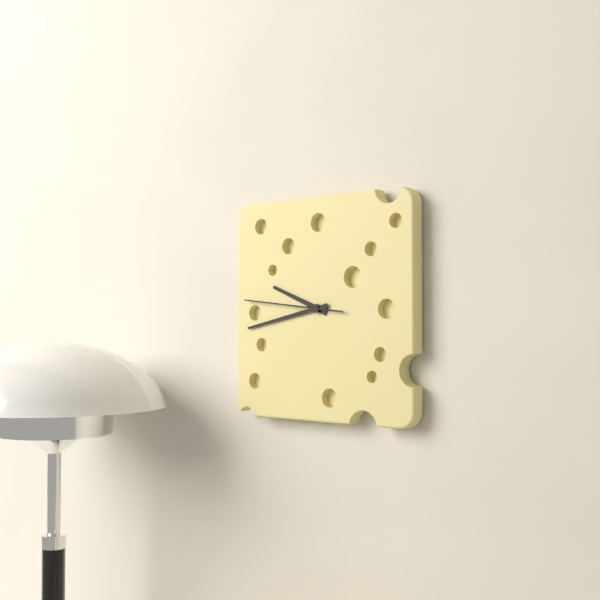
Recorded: {"hour": 9, "minute": 43, "second": 46}
